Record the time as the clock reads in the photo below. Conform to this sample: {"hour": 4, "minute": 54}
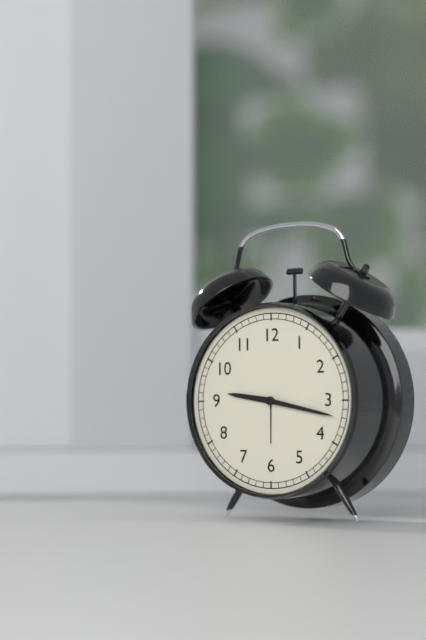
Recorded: {"hour": 9, "minute": 17}
